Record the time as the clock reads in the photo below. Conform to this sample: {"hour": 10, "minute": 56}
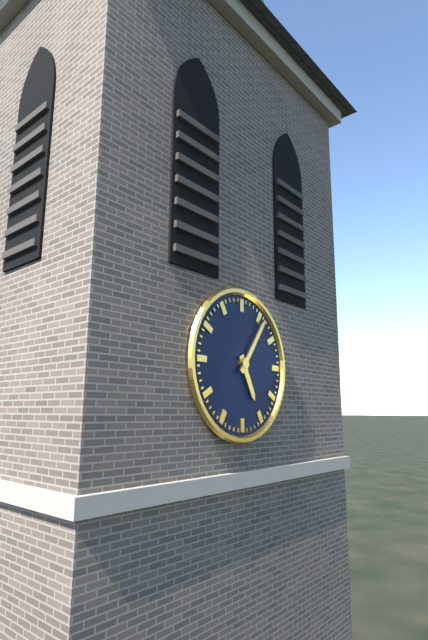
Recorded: {"hour": 5, "minute": 6}
